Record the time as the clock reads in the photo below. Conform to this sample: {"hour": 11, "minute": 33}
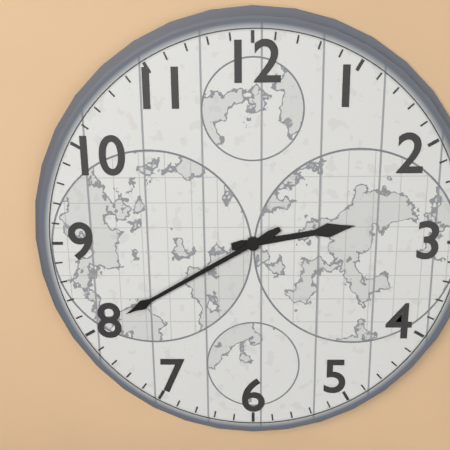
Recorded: {"hour": 2, "minute": 40}
